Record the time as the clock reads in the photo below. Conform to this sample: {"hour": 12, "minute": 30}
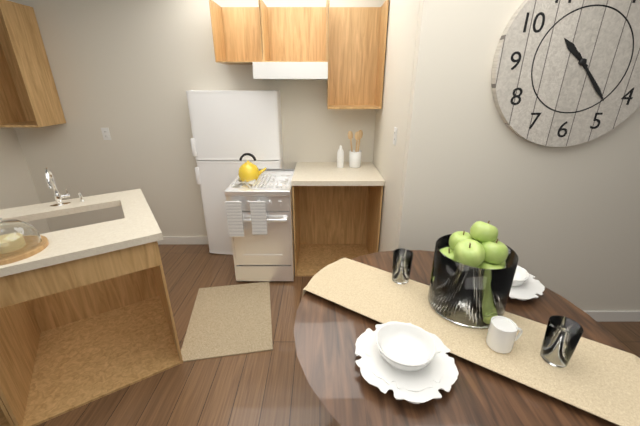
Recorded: {"hour": 10, "minute": 23}
